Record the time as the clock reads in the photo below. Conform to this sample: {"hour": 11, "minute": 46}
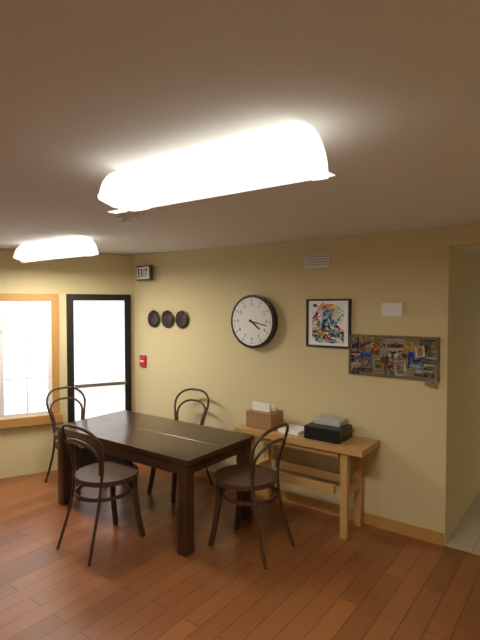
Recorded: {"hour": 4, "minute": 17}
